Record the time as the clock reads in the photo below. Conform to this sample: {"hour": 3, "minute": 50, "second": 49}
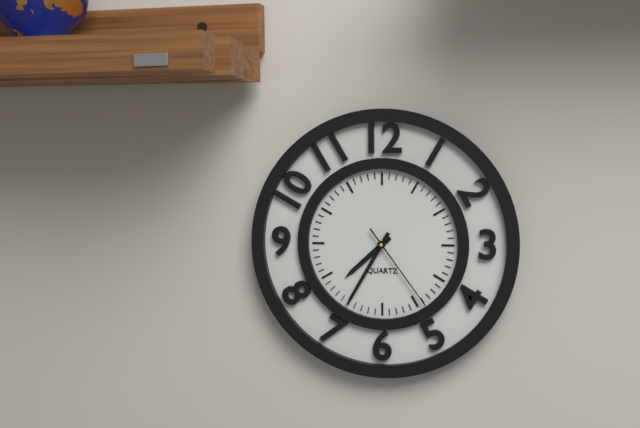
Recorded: {"hour": 7, "minute": 35, "second": 24}
